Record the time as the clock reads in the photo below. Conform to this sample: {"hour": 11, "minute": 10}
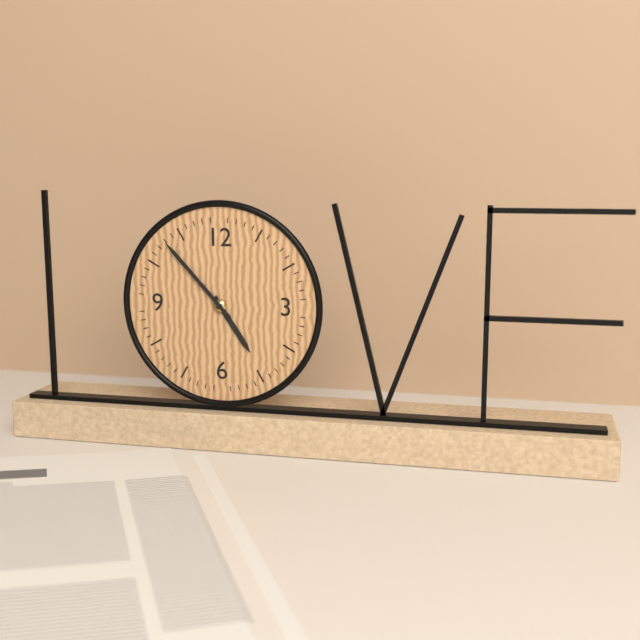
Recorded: {"hour": 4, "minute": 53}
